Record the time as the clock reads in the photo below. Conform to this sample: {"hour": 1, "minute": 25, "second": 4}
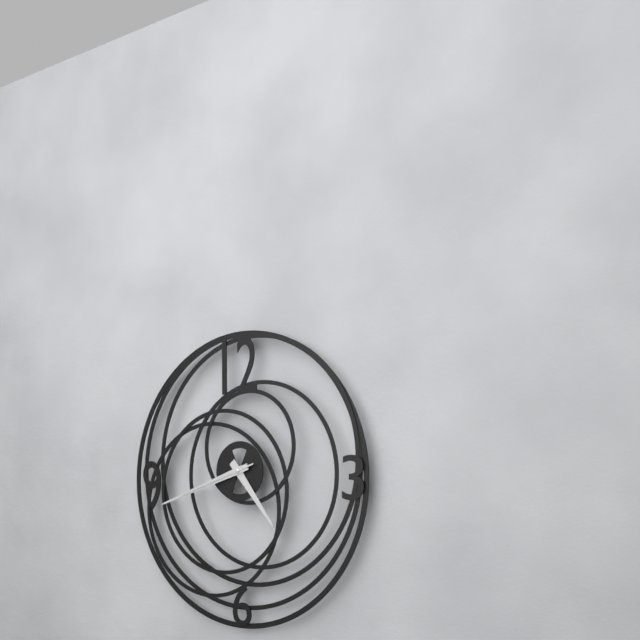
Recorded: {"hour": 4, "minute": 42, "second": 42}
